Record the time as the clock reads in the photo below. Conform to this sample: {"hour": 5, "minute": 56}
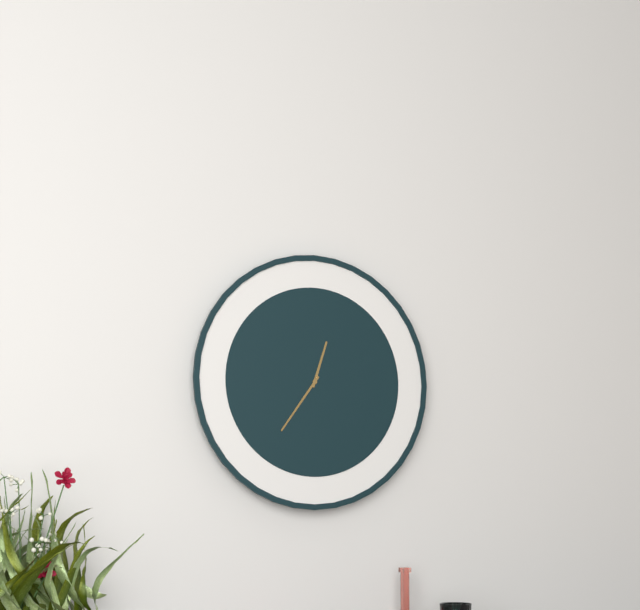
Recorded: {"hour": 12, "minute": 36}
